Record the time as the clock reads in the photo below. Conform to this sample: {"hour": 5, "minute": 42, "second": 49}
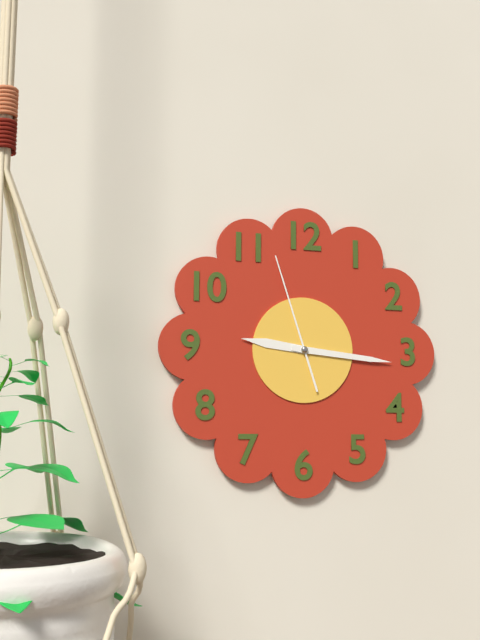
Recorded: {"hour": 9, "minute": 16, "second": 57}
